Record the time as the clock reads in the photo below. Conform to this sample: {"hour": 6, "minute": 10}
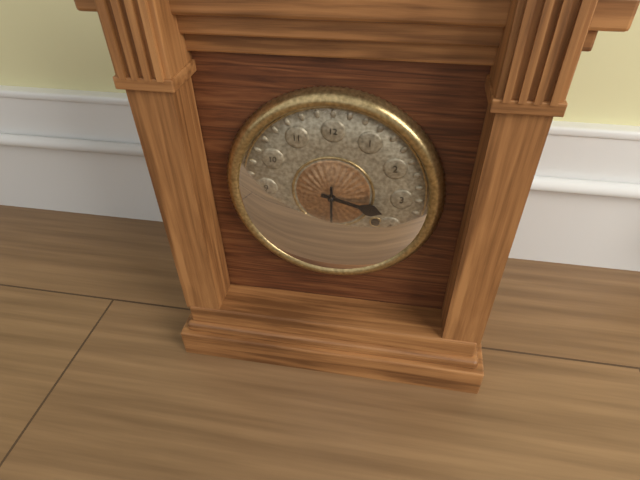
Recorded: {"hour": 3, "minute": 30}
